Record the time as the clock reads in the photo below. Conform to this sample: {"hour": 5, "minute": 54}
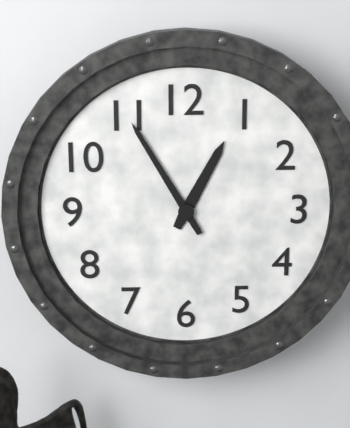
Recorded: {"hour": 12, "minute": 55}
